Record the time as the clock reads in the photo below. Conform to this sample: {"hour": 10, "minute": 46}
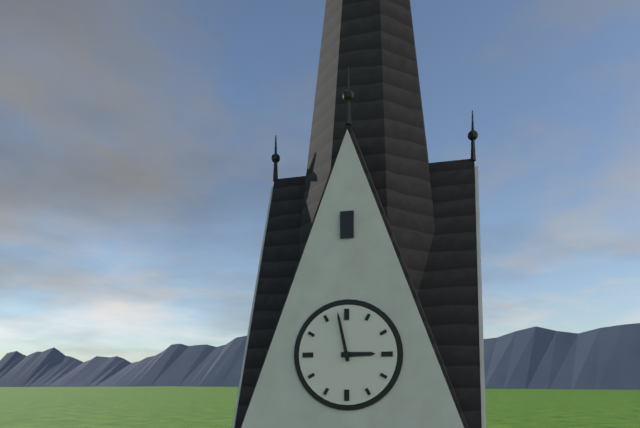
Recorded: {"hour": 2, "minute": 58}
